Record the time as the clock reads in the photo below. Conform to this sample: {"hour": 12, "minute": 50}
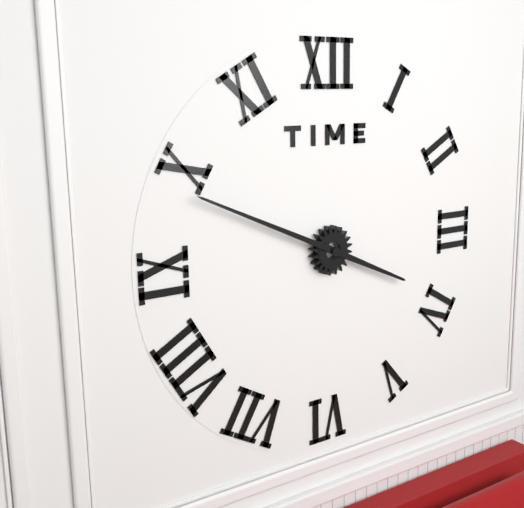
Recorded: {"hour": 3, "minute": 49}
